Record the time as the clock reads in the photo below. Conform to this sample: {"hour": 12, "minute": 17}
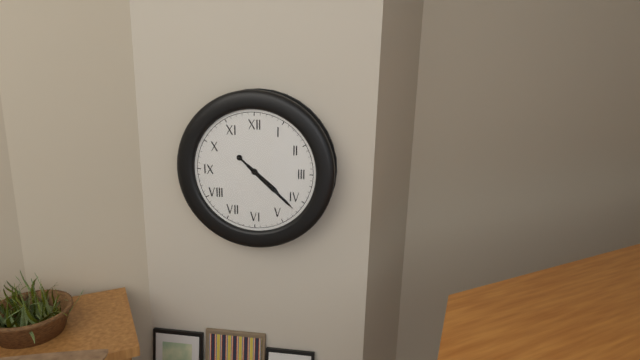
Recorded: {"hour": 4, "minute": 22}
